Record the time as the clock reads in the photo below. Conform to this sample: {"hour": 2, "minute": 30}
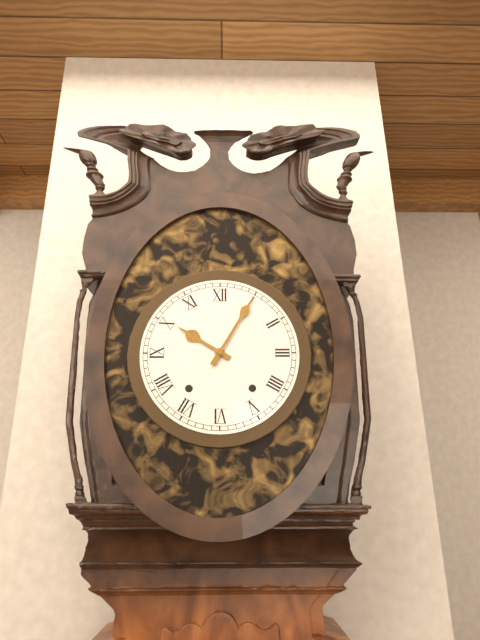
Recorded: {"hour": 10, "minute": 5}
